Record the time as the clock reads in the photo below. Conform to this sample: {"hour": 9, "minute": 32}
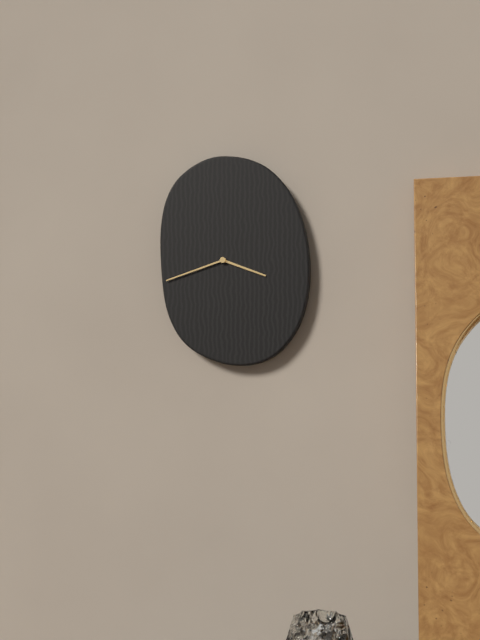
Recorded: {"hour": 3, "minute": 42}
